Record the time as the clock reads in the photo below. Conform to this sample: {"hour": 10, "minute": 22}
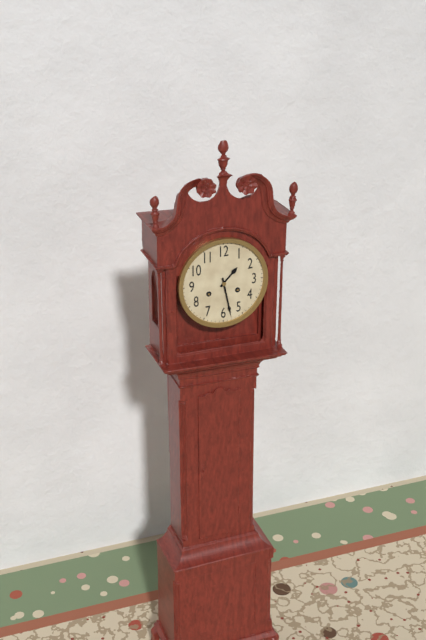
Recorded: {"hour": 1, "minute": 28}
